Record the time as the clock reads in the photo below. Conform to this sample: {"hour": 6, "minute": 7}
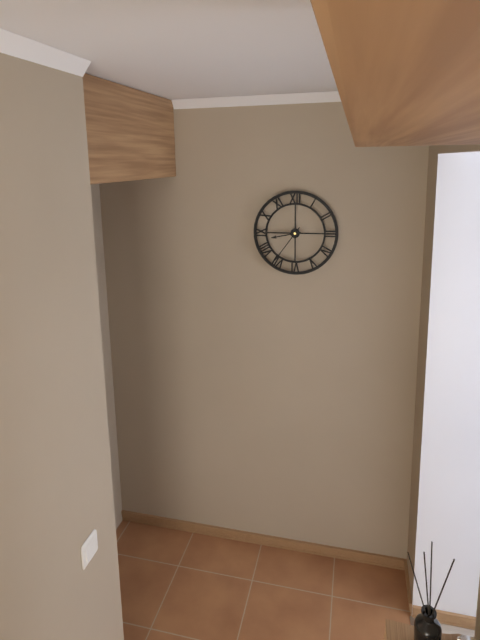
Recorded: {"hour": 8, "minute": 36}
